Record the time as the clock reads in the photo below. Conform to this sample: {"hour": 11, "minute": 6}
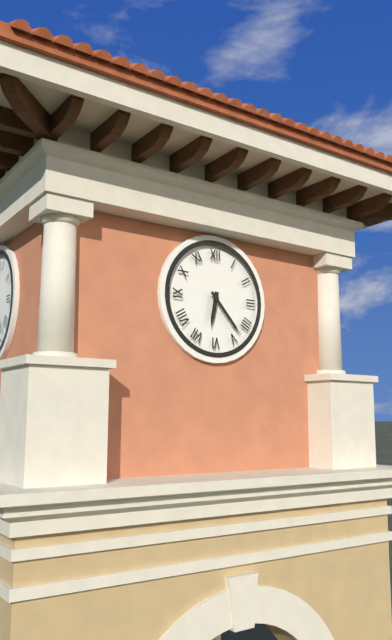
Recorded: {"hour": 6, "minute": 23}
